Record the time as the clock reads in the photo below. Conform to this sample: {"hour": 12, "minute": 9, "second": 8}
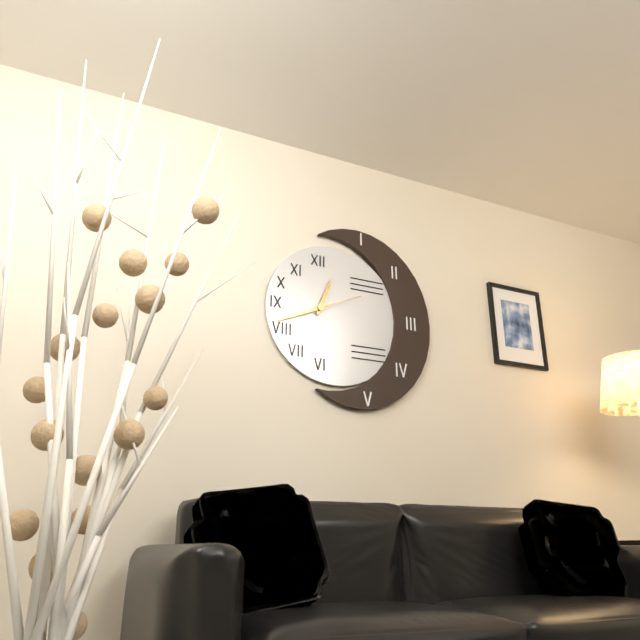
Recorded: {"hour": 12, "minute": 41, "second": 11}
